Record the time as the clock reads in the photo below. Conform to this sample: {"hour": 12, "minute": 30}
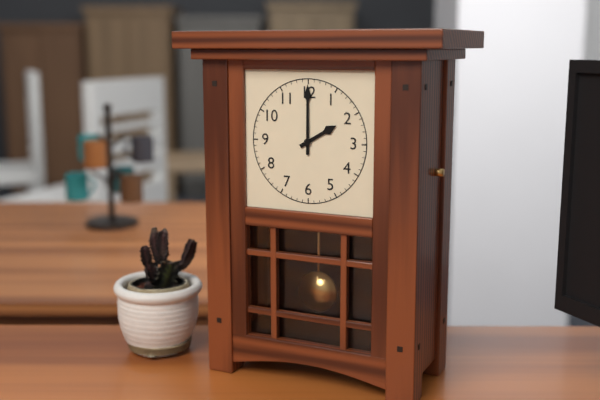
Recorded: {"hour": 2, "minute": 0}
